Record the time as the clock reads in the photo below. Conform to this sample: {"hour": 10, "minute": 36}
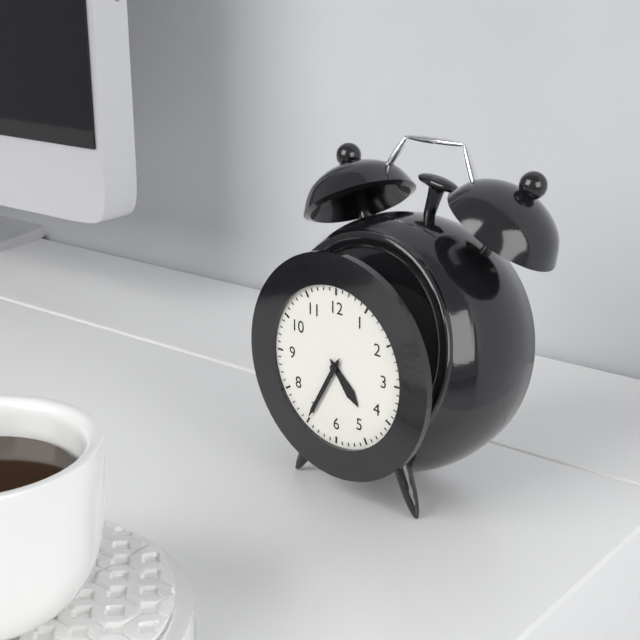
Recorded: {"hour": 4, "minute": 35}
